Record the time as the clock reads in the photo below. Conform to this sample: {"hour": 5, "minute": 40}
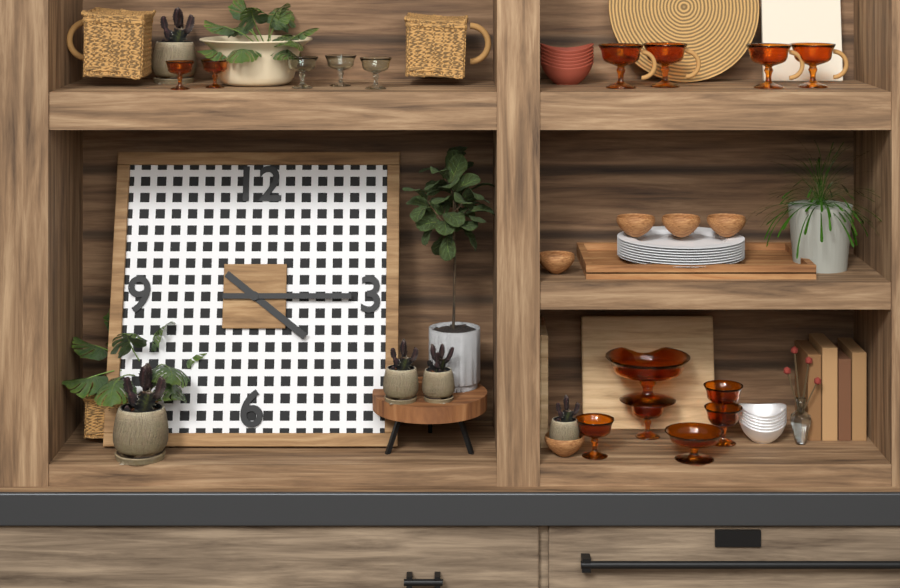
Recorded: {"hour": 4, "minute": 15}
